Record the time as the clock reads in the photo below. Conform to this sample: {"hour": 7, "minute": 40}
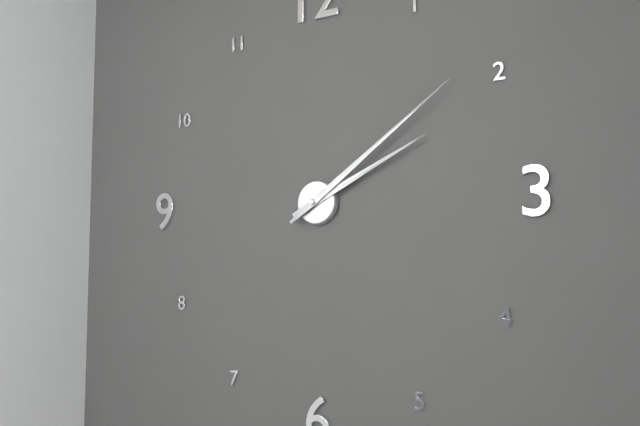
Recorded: {"hour": 2, "minute": 9}
